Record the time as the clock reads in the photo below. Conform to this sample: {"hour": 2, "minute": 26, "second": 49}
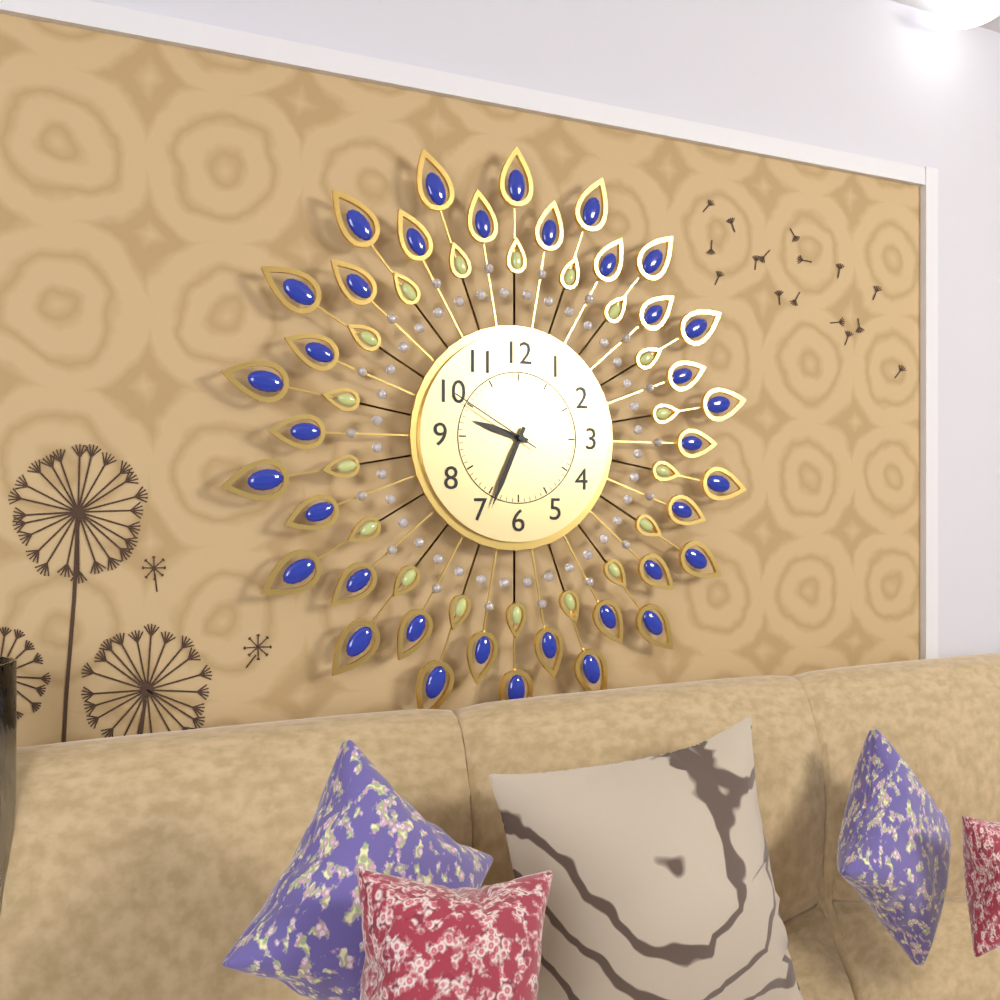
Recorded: {"hour": 9, "minute": 34, "second": 50}
